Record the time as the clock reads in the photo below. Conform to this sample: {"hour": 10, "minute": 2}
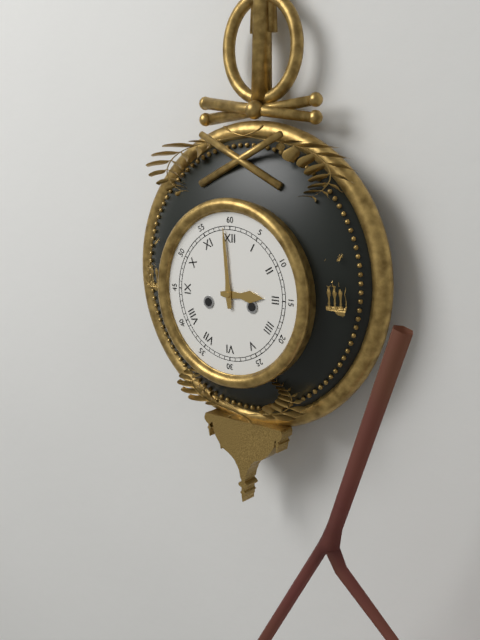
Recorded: {"hour": 2, "minute": 59}
